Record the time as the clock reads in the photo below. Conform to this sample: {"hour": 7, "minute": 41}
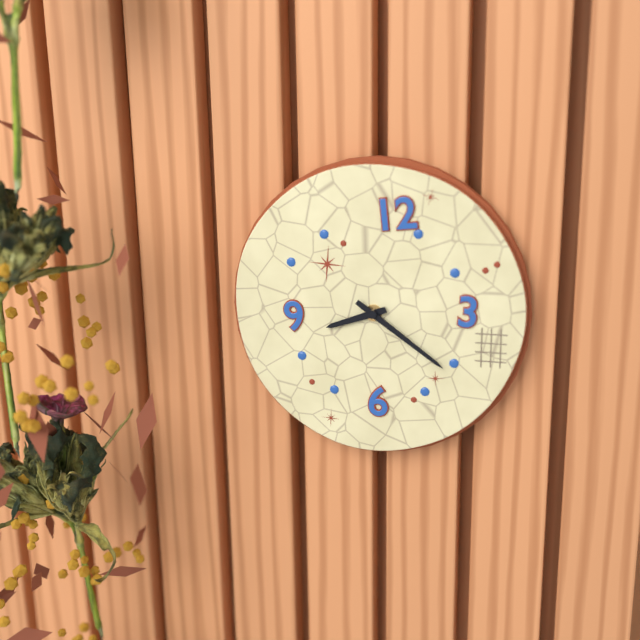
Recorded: {"hour": 8, "minute": 21}
